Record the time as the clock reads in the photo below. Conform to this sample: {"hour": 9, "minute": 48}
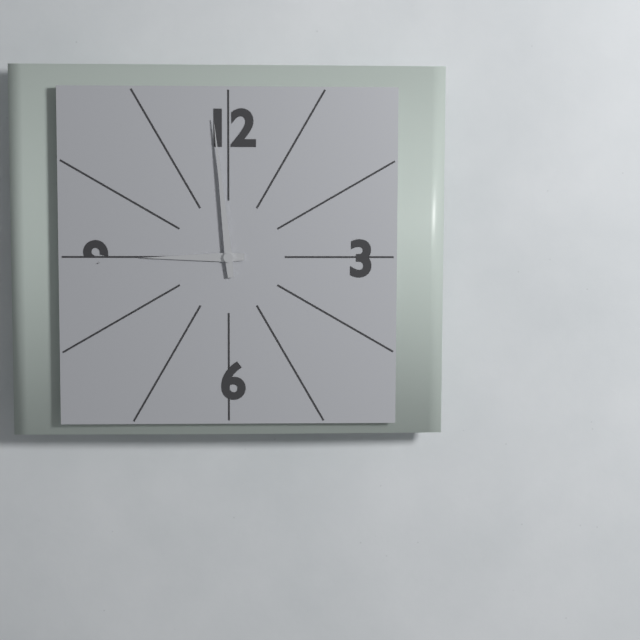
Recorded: {"hour": 8, "minute": 59}
